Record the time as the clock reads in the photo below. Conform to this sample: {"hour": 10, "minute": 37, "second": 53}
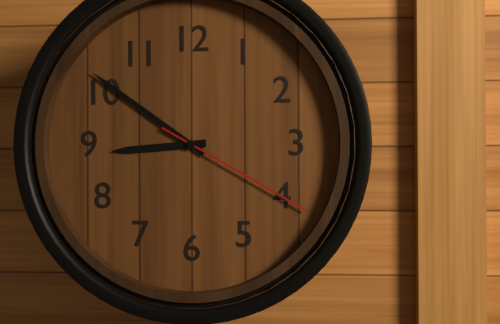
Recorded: {"hour": 8, "minute": 51, "second": 20}
